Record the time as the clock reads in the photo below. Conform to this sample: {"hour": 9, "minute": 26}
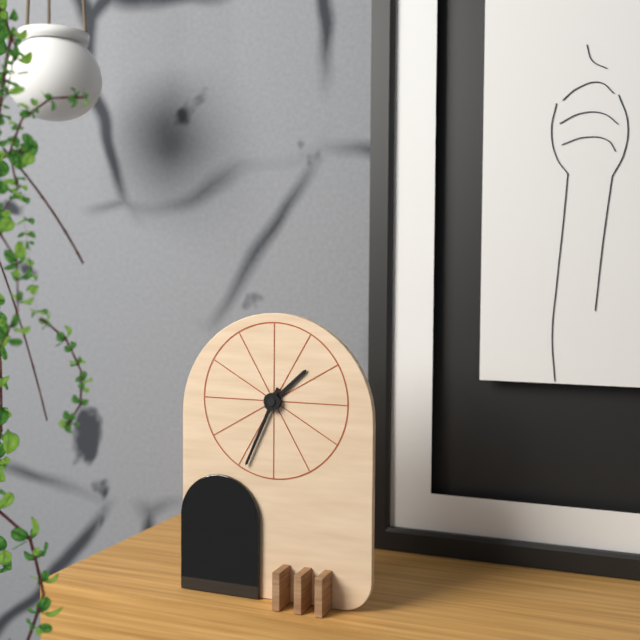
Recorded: {"hour": 1, "minute": 34}
